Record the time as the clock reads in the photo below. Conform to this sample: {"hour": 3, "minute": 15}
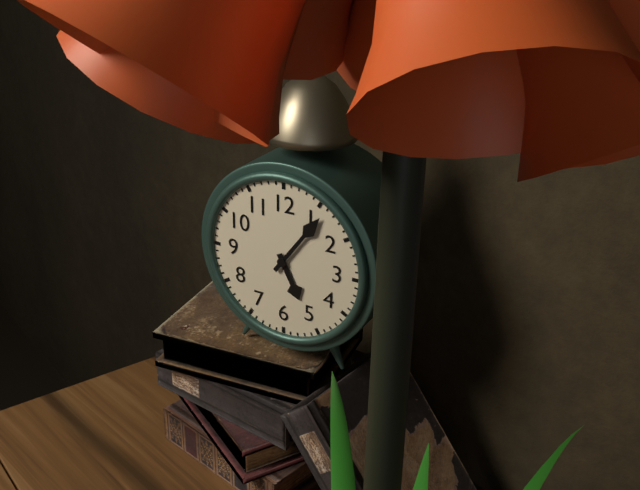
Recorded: {"hour": 5, "minute": 6}
